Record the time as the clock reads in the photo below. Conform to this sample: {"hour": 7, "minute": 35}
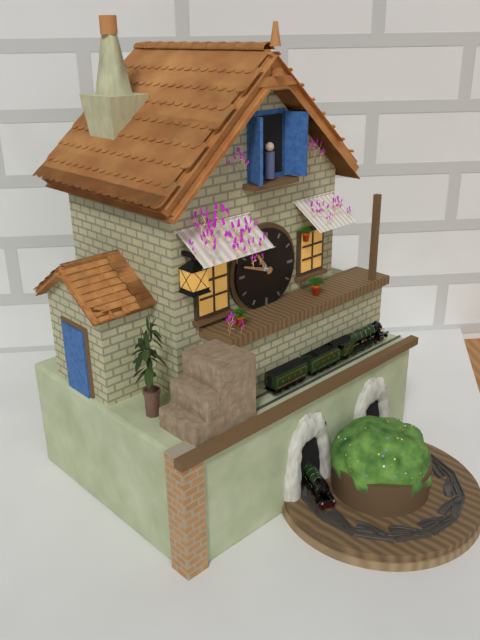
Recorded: {"hour": 10, "minute": 48}
